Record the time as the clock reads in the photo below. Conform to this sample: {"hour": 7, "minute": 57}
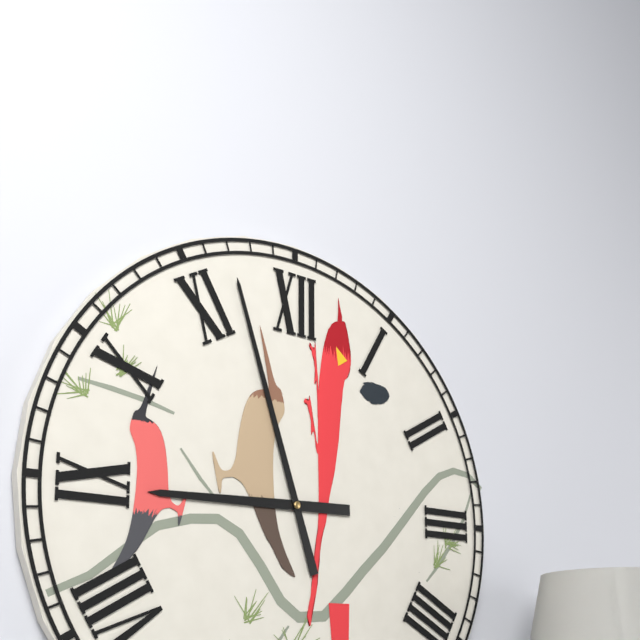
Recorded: {"hour": 8, "minute": 57}
